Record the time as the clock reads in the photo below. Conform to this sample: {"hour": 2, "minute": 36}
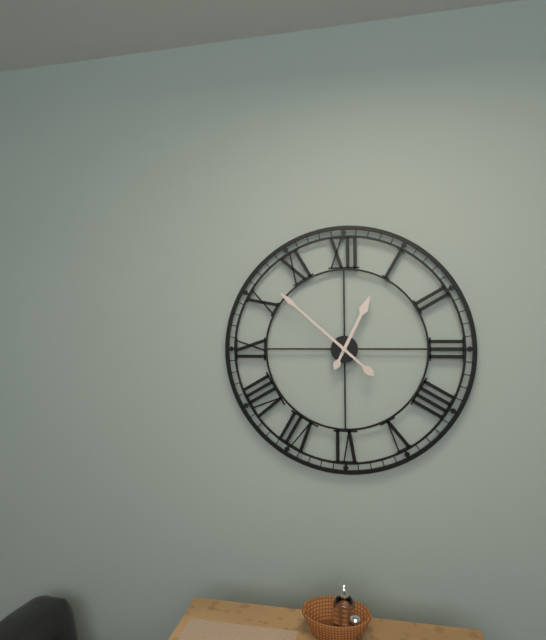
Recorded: {"hour": 12, "minute": 52}
